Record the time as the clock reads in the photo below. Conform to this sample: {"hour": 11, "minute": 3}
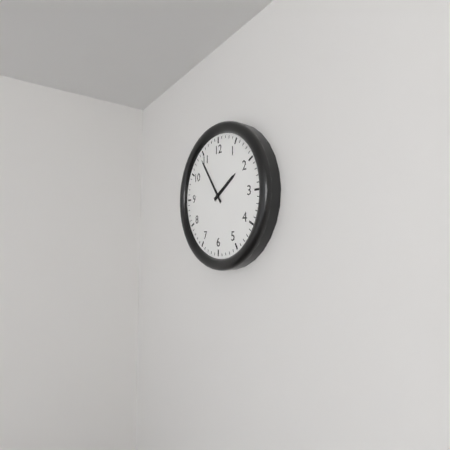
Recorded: {"hour": 1, "minute": 54}
